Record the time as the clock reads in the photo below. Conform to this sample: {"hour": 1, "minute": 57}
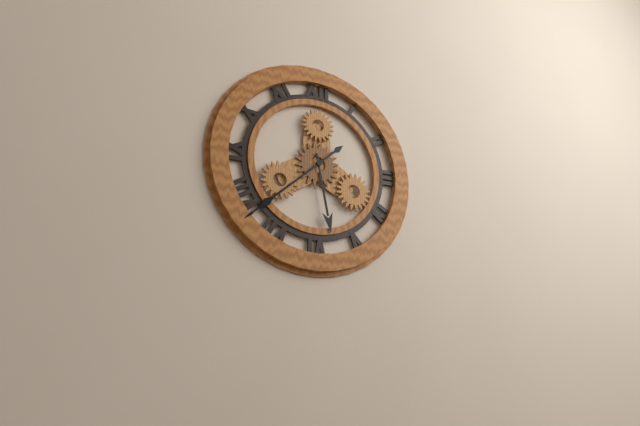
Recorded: {"hour": 5, "minute": 38}
